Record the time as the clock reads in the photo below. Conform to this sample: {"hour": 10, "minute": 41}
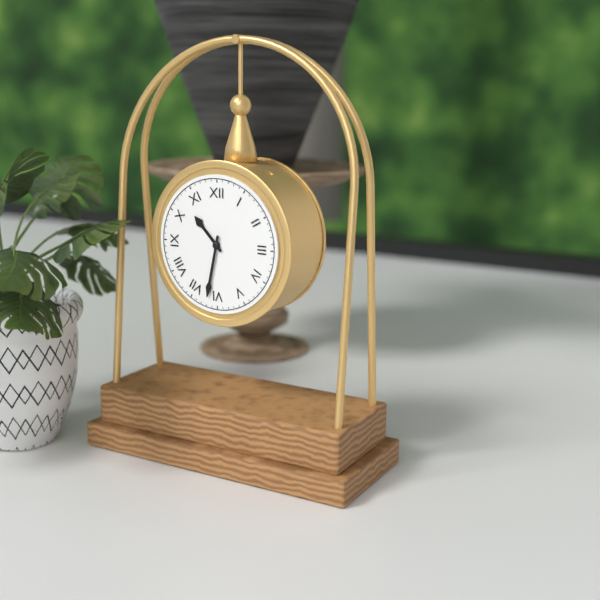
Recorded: {"hour": 10, "minute": 32}
